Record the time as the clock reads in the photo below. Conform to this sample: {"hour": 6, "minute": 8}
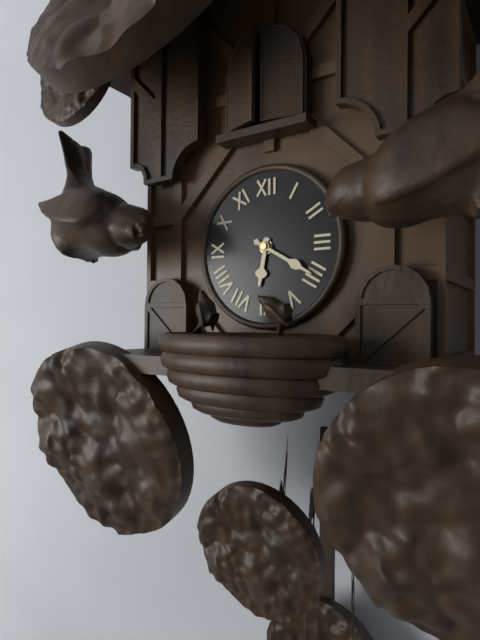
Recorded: {"hour": 6, "minute": 20}
